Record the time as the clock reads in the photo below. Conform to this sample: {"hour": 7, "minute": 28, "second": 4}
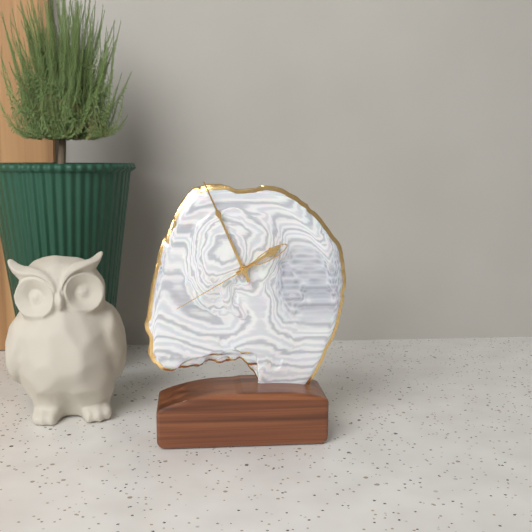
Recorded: {"hour": 1, "minute": 56, "second": 40}
